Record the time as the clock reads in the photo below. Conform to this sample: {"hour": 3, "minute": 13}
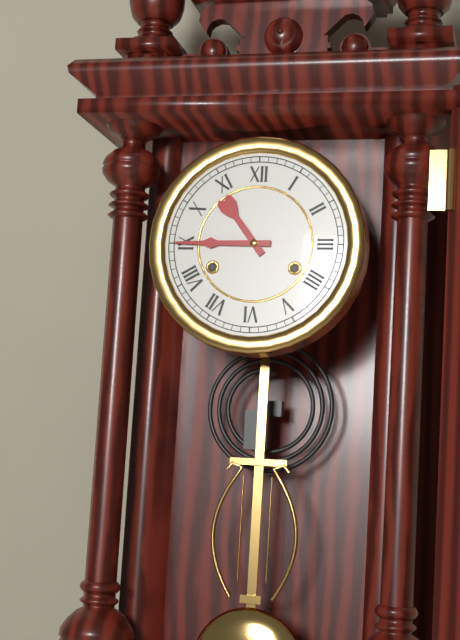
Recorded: {"hour": 10, "minute": 45}
